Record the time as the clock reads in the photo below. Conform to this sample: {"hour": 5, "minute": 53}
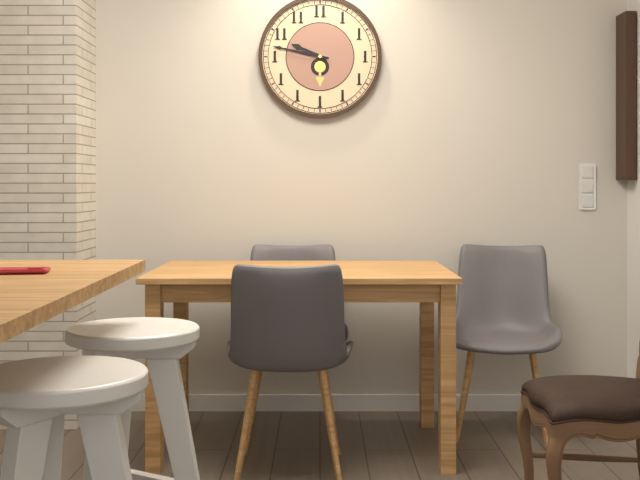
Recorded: {"hour": 9, "minute": 47}
